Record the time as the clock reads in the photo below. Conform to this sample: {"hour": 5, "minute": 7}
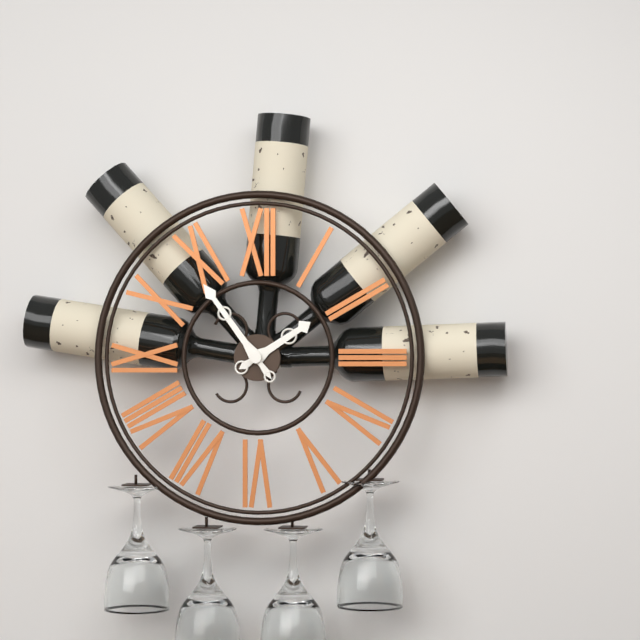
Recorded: {"hour": 1, "minute": 54}
